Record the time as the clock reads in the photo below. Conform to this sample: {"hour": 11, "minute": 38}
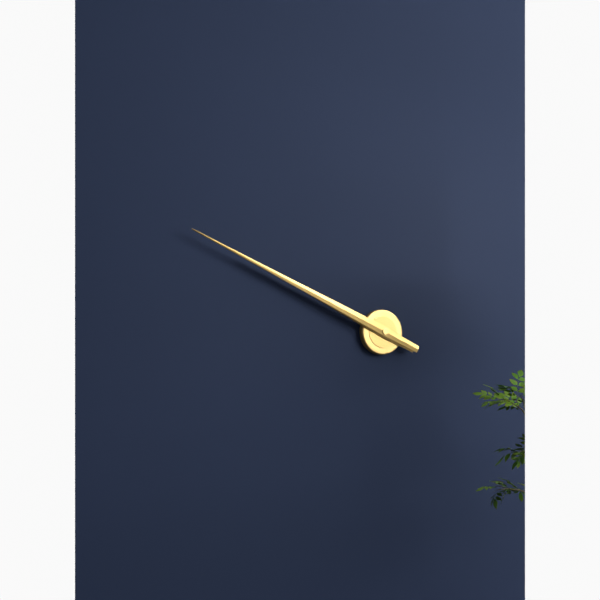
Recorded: {"hour": 9, "minute": 49}
